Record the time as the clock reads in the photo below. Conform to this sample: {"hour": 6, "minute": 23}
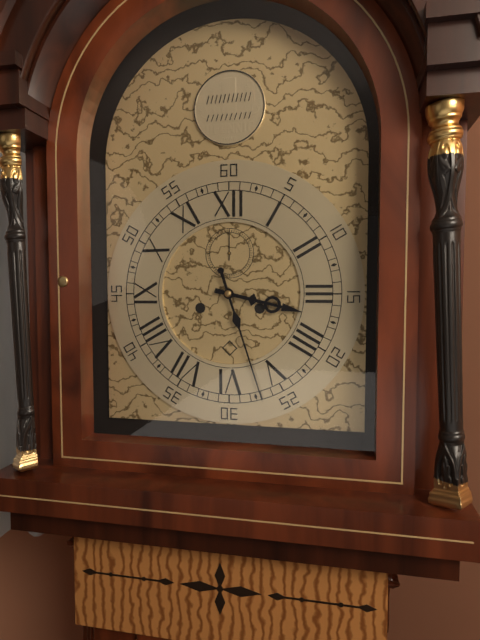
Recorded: {"hour": 3, "minute": 27}
